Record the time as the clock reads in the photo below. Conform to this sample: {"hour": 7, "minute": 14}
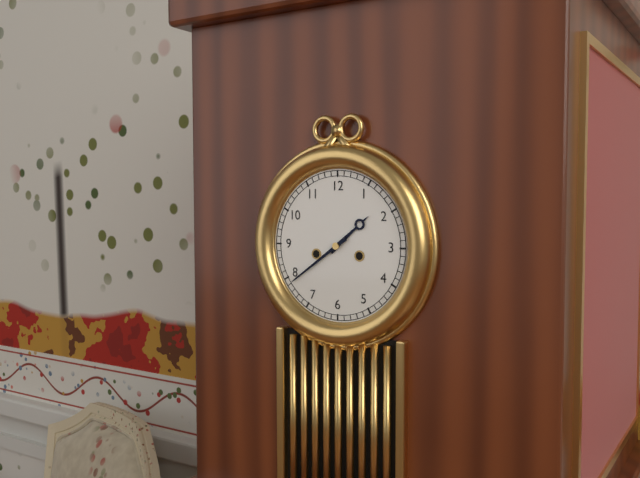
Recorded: {"hour": 1, "minute": 39}
